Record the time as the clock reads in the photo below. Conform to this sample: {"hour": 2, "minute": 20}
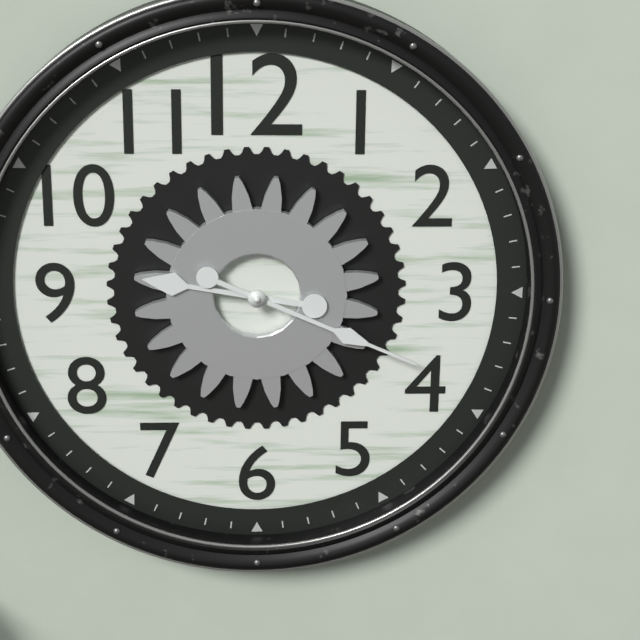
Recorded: {"hour": 9, "minute": 19}
